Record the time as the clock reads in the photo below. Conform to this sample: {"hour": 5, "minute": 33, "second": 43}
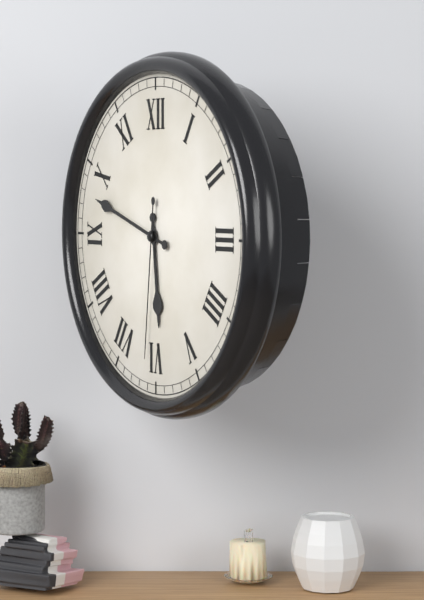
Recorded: {"hour": 5, "minute": 48, "second": 31}
